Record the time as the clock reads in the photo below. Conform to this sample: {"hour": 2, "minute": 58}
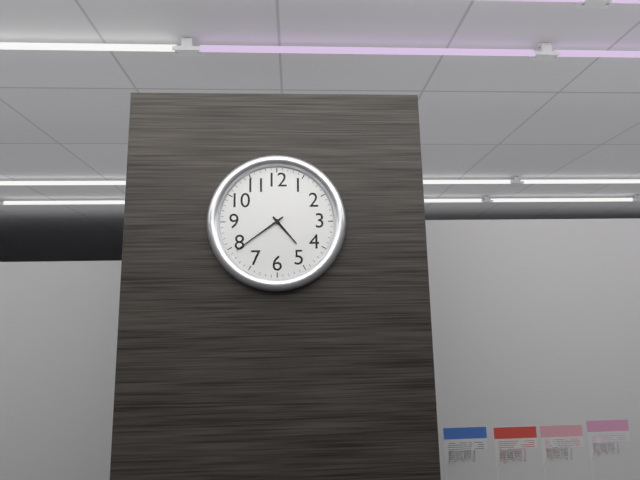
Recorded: {"hour": 4, "minute": 39}
